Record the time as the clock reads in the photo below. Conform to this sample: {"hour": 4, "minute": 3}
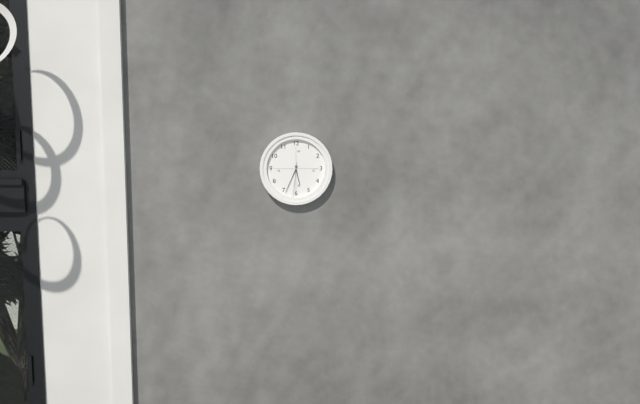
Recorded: {"hour": 5, "minute": 34}
